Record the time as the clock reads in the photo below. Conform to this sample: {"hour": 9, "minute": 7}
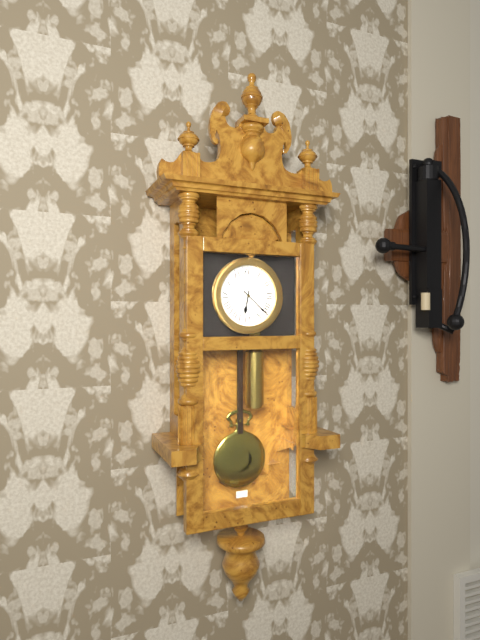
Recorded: {"hour": 6, "minute": 22}
